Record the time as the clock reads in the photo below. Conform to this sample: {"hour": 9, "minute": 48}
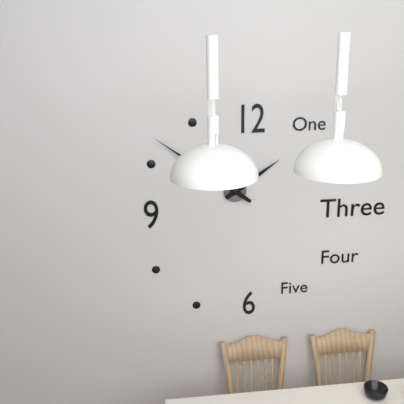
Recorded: {"hour": 1, "minute": 51}
